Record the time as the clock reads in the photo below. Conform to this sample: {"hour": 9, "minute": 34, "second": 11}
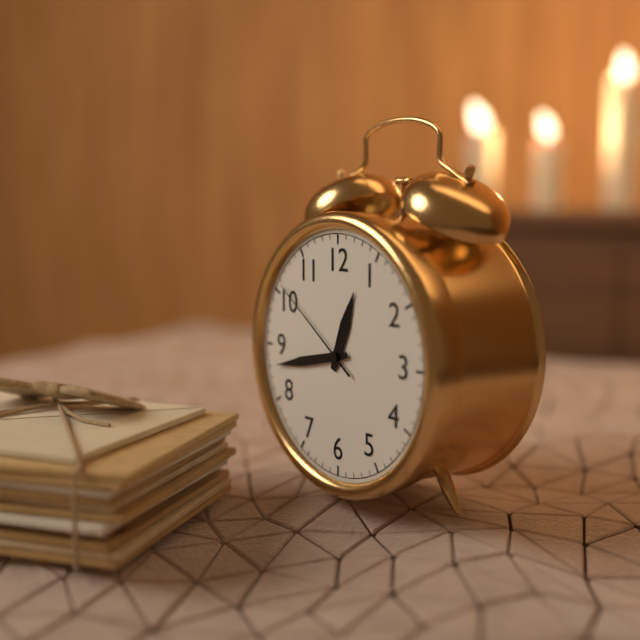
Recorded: {"hour": 12, "minute": 43, "second": 51}
